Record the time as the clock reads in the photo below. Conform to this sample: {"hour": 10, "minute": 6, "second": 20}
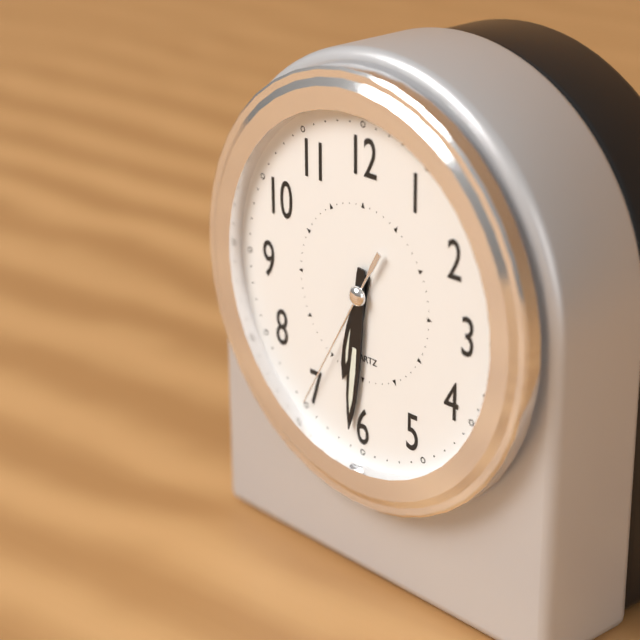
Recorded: {"hour": 6, "minute": 31, "second": 35}
